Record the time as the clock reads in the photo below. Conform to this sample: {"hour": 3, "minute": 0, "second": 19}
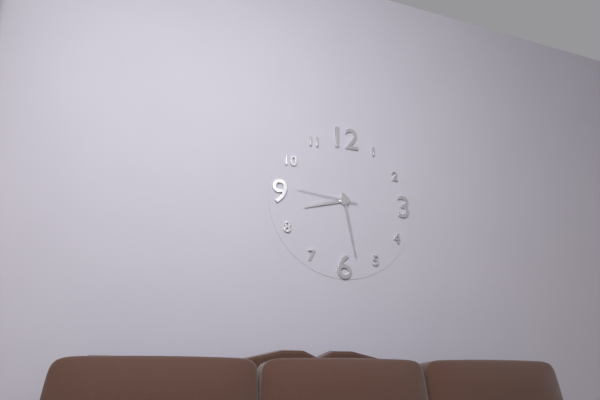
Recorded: {"hour": 8, "minute": 28, "second": 46}
